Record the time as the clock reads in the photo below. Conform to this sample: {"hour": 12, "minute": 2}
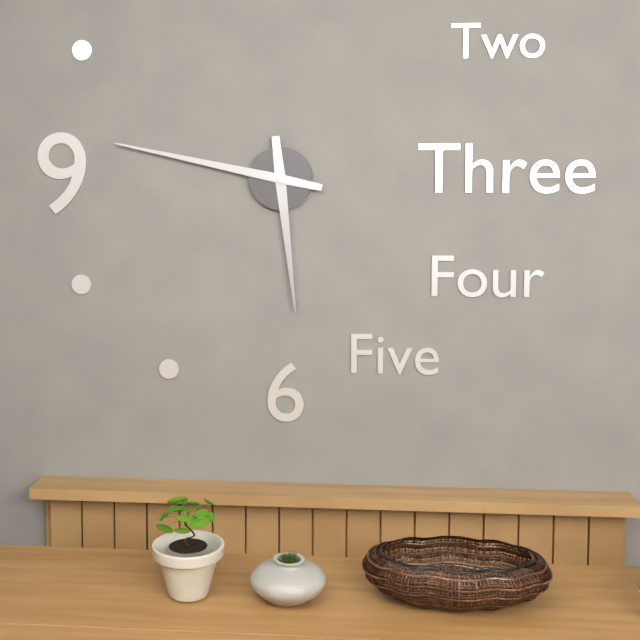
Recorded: {"hour": 5, "minute": 47}
